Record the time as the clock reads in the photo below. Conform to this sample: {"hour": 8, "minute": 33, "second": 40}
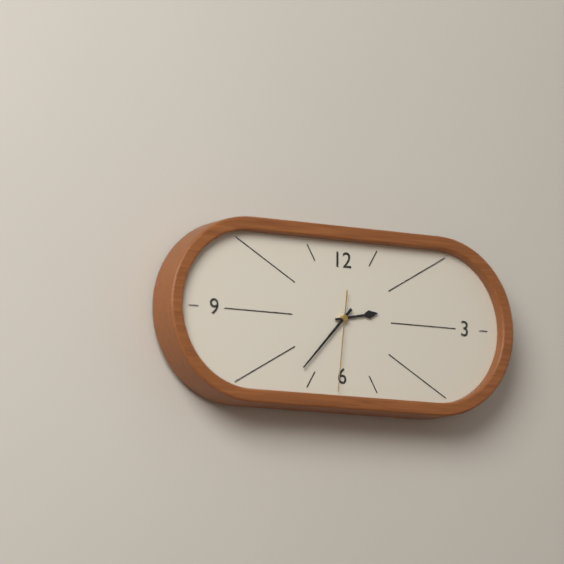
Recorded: {"hour": 2, "minute": 37, "second": 31}
